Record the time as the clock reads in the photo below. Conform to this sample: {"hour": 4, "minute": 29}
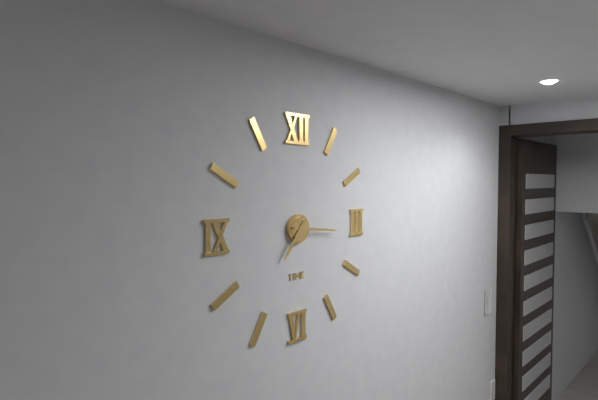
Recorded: {"hour": 7, "minute": 16}
